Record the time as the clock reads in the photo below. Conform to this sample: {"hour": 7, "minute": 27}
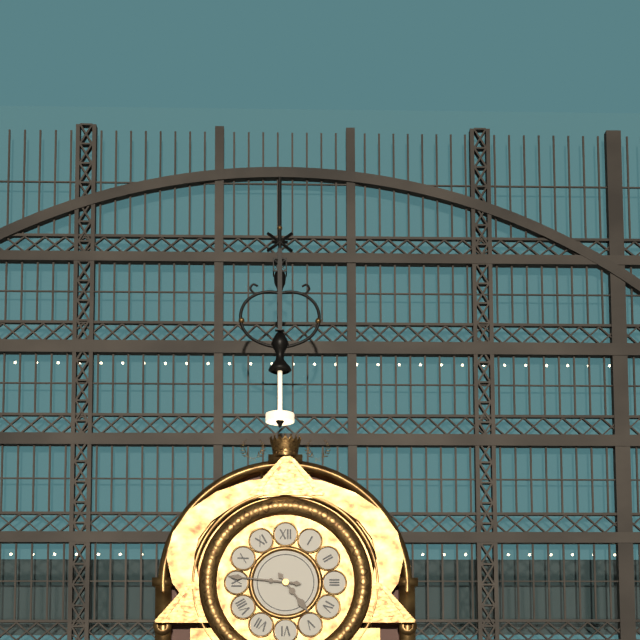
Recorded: {"hour": 4, "minute": 46}
